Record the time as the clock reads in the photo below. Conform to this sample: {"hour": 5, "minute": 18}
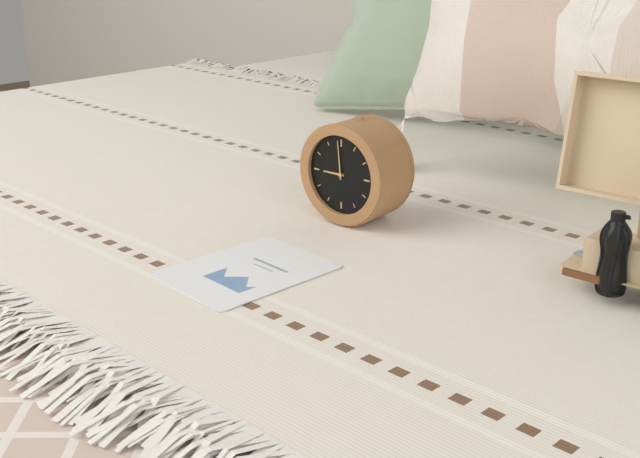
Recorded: {"hour": 8, "minute": 59}
